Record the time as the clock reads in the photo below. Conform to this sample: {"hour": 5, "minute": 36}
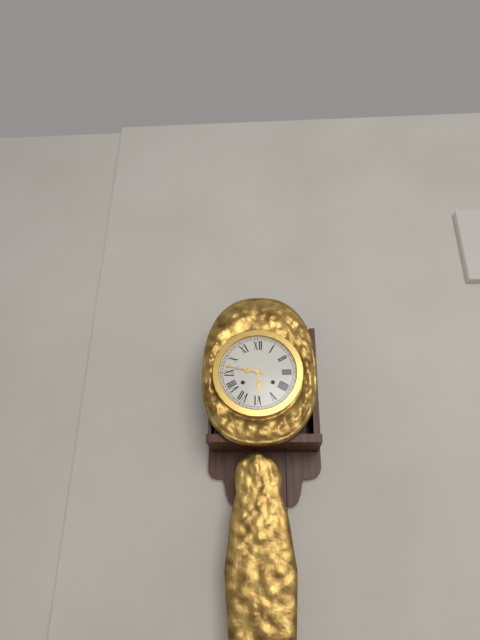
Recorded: {"hour": 5, "minute": 47}
